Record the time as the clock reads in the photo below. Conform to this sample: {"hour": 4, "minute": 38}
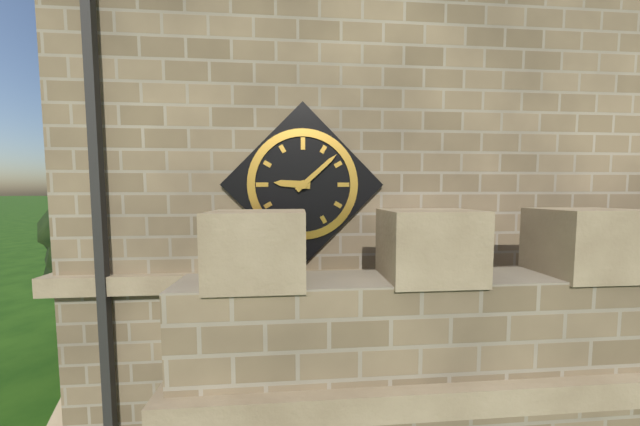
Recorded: {"hour": 9, "minute": 8}
